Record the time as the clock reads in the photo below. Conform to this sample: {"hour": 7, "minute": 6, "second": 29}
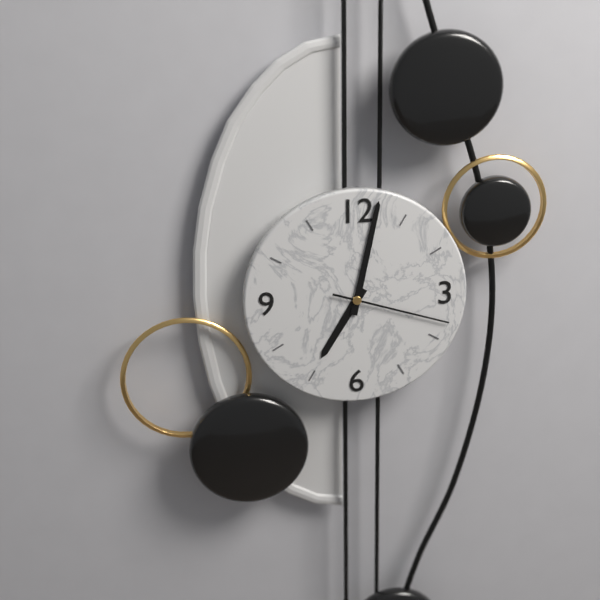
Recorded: {"hour": 7, "minute": 2, "second": 18}
